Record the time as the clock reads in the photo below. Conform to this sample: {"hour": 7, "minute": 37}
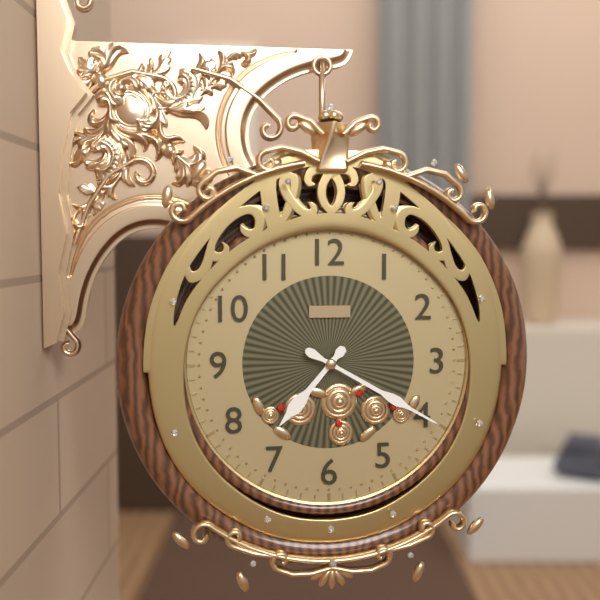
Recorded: {"hour": 7, "minute": 20}
